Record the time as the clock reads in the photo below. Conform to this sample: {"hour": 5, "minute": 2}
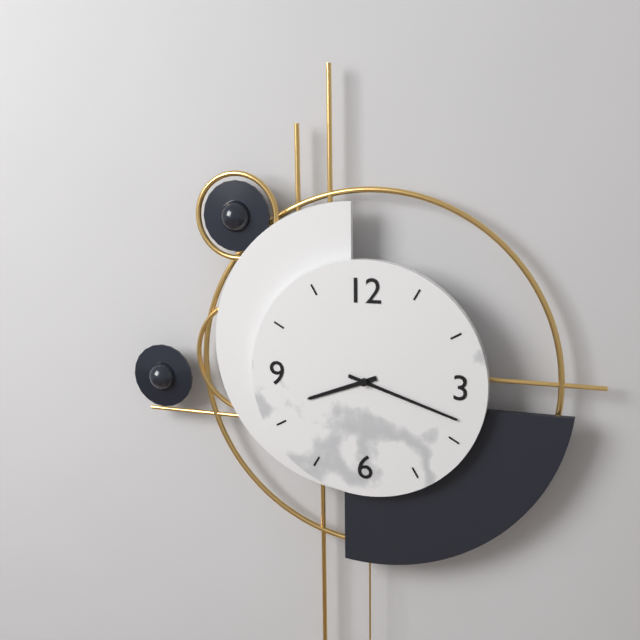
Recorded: {"hour": 8, "minute": 18}
